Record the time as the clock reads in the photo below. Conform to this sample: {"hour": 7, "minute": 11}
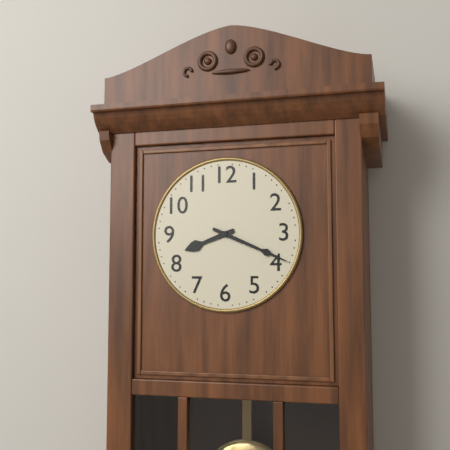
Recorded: {"hour": 8, "minute": 19}
